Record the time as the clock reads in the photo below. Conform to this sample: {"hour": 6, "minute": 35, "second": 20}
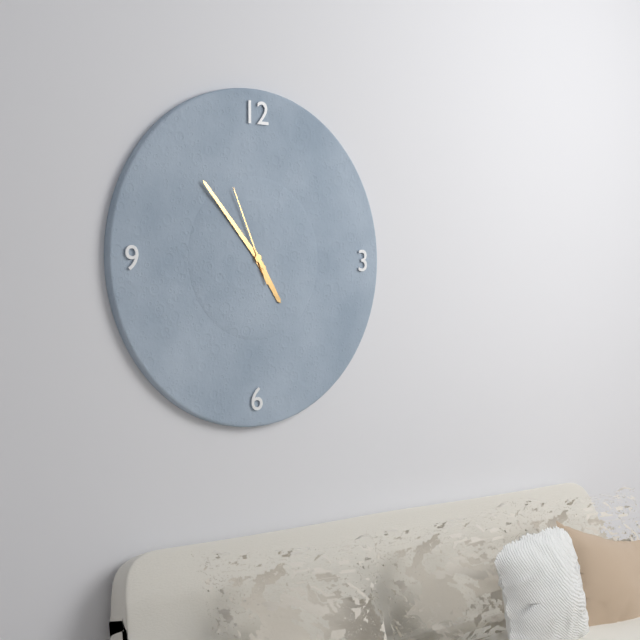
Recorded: {"hour": 4, "minute": 53, "second": 56}
